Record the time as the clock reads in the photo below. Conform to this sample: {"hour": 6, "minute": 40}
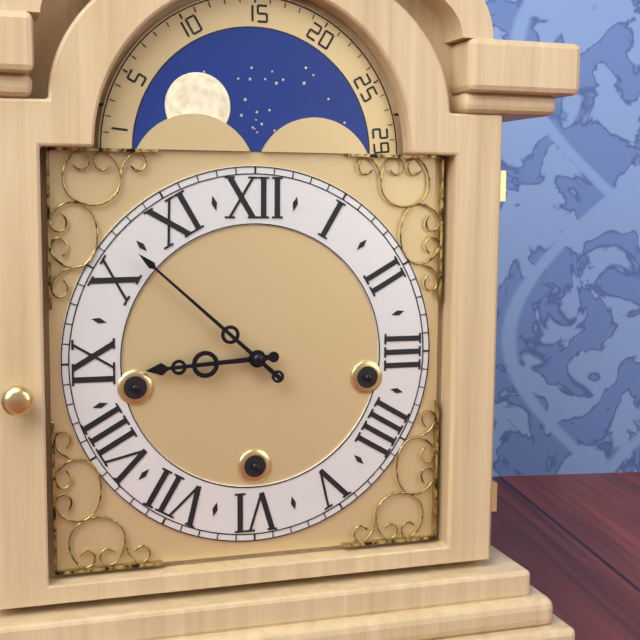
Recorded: {"hour": 8, "minute": 52}
